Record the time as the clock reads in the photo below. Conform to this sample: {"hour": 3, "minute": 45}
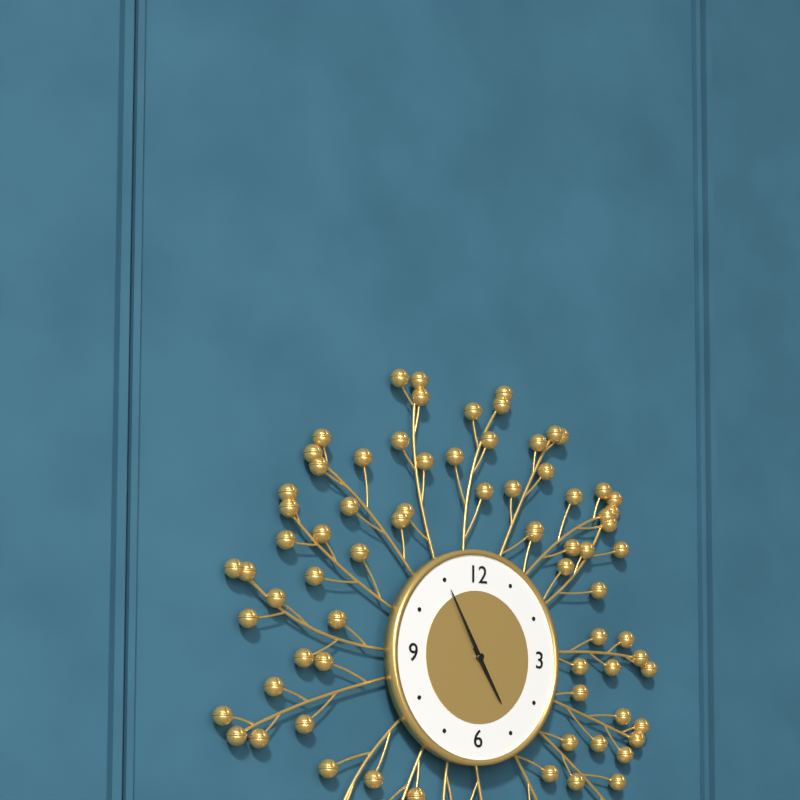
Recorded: {"hour": 4, "minute": 55}
